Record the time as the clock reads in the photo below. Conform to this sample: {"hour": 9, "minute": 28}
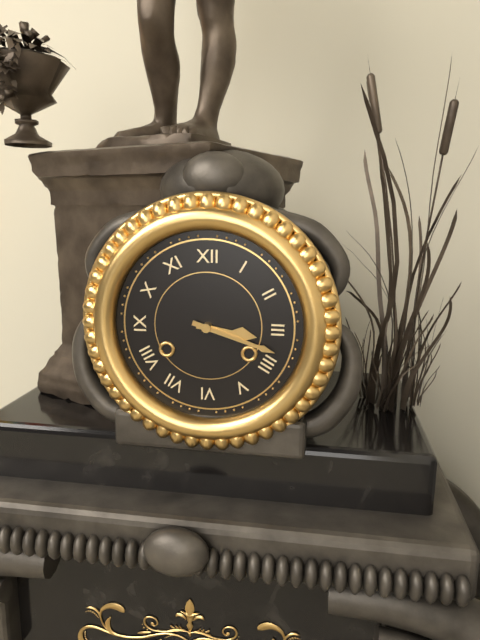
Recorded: {"hour": 3, "minute": 18}
